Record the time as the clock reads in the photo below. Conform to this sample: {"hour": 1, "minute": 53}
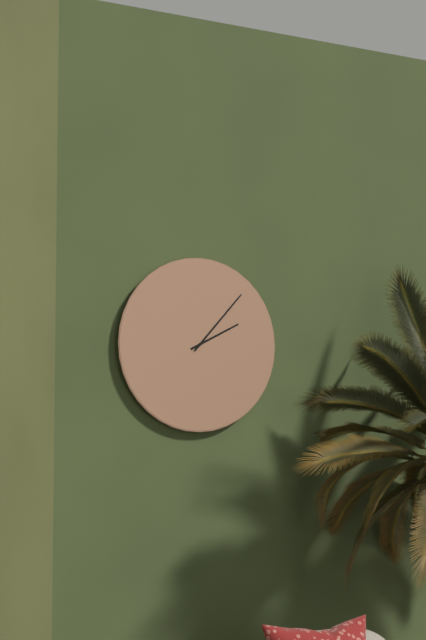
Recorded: {"hour": 2, "minute": 7}
